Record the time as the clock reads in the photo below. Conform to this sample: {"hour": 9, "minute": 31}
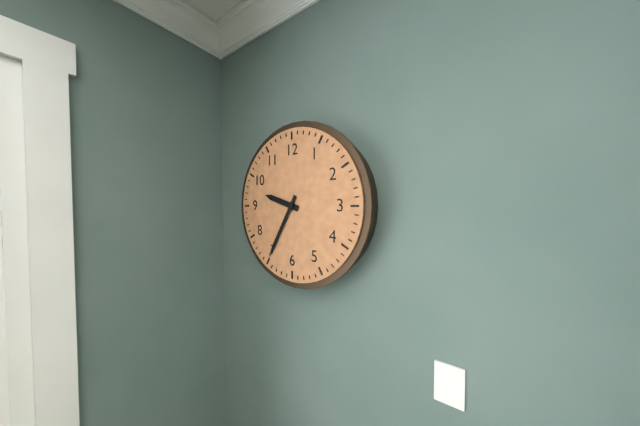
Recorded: {"hour": 9, "minute": 35}
